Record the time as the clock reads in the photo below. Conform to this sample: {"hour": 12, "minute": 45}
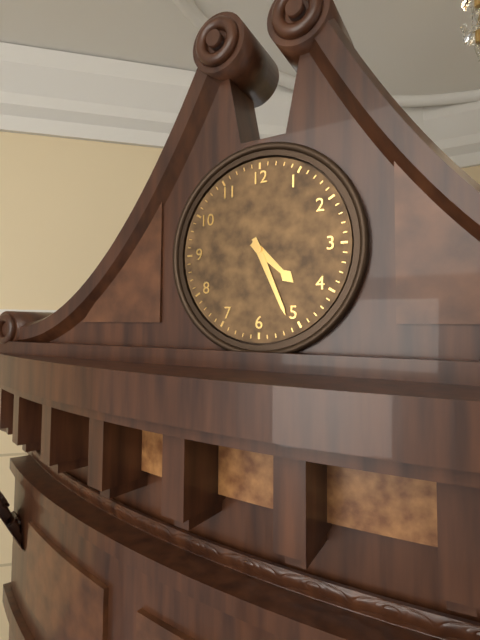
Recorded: {"hour": 4, "minute": 26}
